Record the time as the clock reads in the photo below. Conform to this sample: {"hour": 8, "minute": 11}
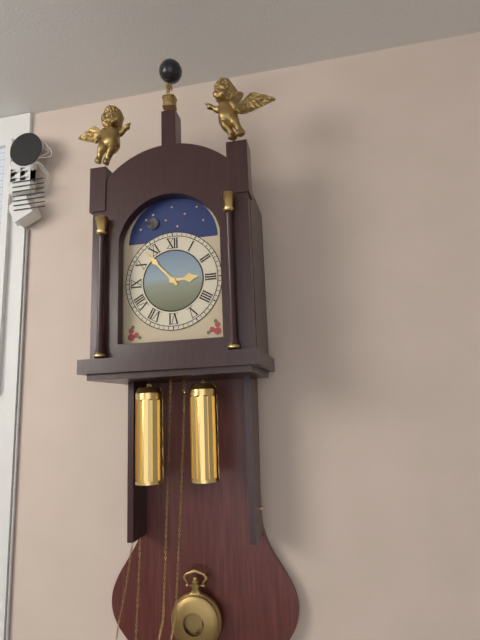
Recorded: {"hour": 2, "minute": 53}
